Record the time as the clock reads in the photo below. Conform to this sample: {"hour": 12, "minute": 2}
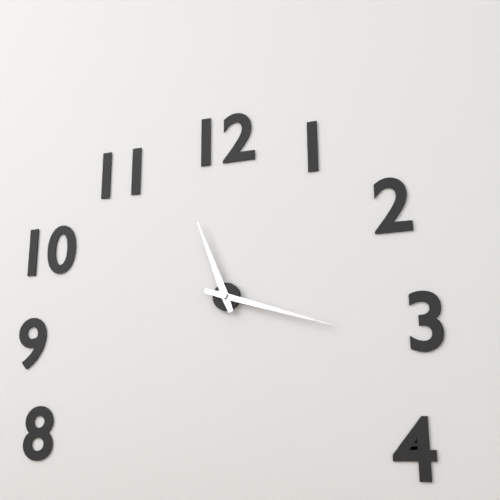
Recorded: {"hour": 11, "minute": 18}
